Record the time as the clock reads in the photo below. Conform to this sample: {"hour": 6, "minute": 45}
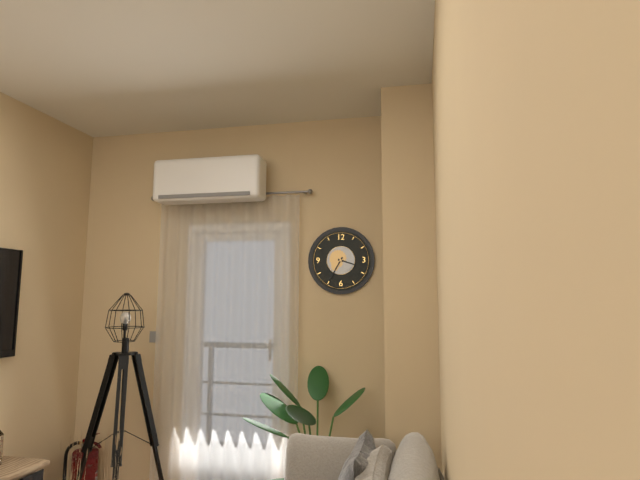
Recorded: {"hour": 3, "minute": 35}
